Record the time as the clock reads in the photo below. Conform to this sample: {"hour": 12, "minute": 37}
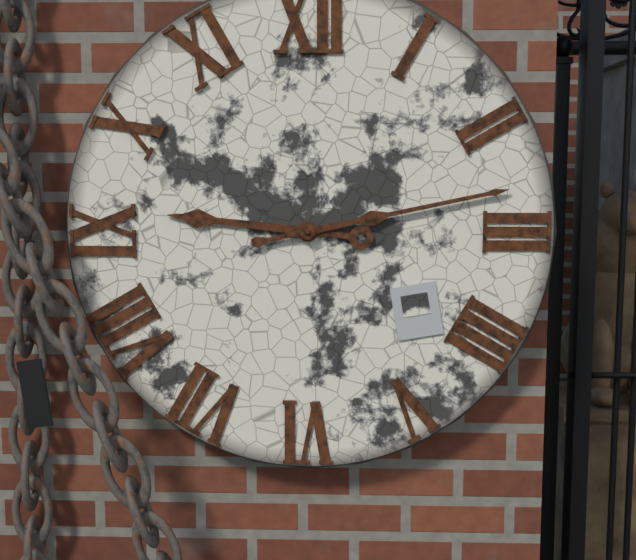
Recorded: {"hour": 9, "minute": 13}
